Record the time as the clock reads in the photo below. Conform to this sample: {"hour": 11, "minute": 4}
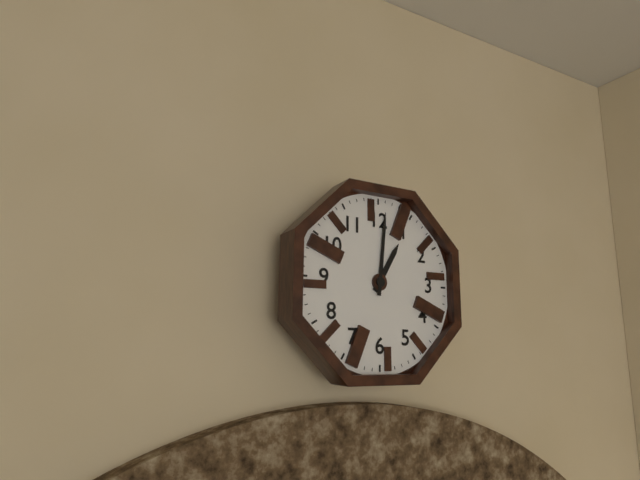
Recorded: {"hour": 1, "minute": 1}
